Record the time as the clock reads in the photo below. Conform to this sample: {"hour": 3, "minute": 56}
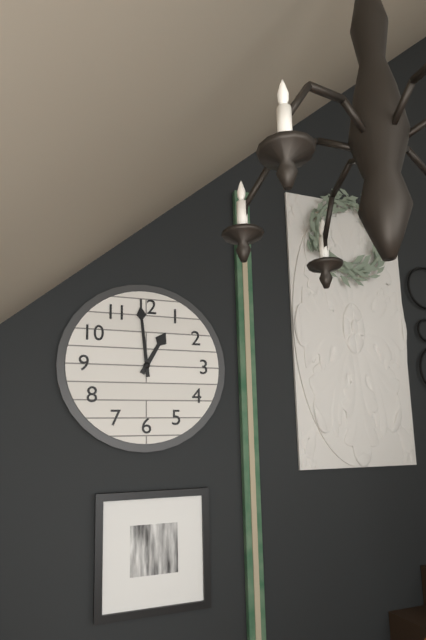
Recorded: {"hour": 12, "minute": 59}
